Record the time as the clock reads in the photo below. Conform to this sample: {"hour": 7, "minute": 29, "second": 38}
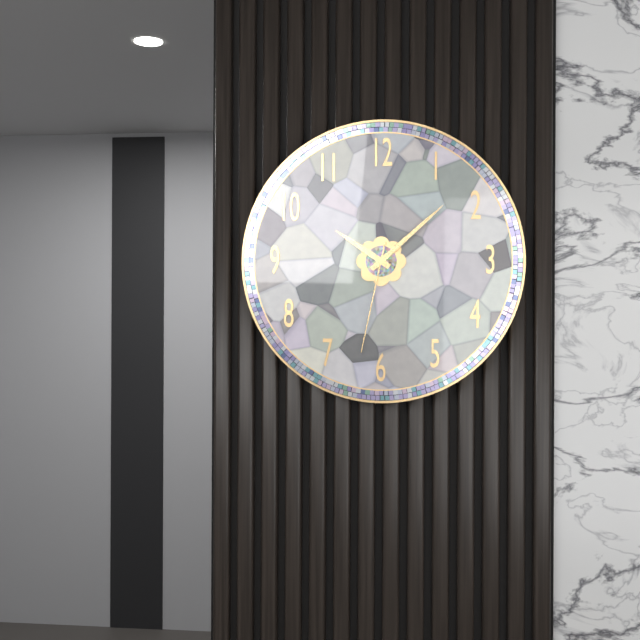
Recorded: {"hour": 10, "minute": 8, "second": 32}
